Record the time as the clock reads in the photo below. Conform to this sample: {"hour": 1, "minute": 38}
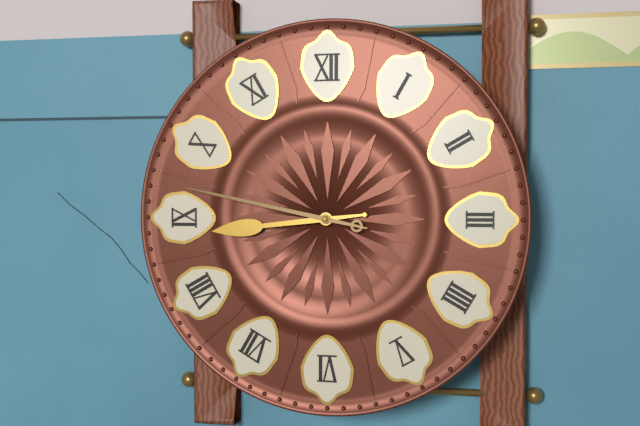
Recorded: {"hour": 8, "minute": 47}
